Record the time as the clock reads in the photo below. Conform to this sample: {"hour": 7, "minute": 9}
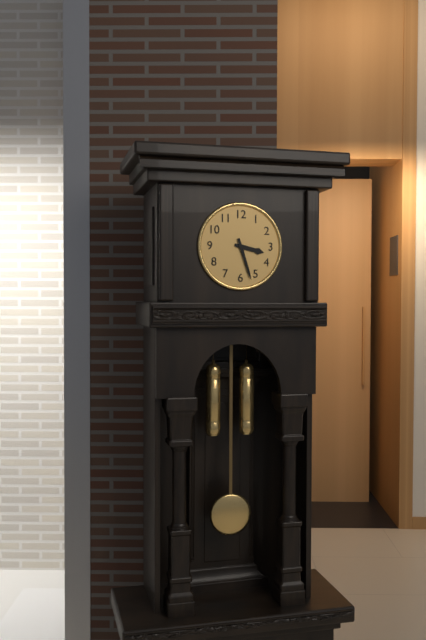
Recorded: {"hour": 3, "minute": 27}
